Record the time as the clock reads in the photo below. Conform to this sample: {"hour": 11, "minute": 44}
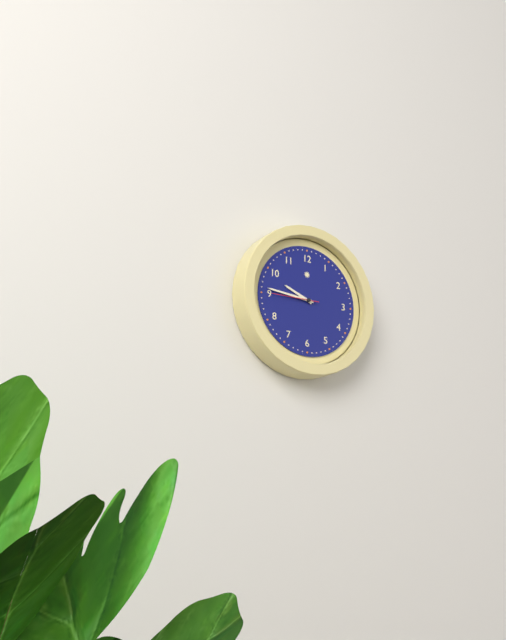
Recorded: {"hour": 9, "minute": 46}
